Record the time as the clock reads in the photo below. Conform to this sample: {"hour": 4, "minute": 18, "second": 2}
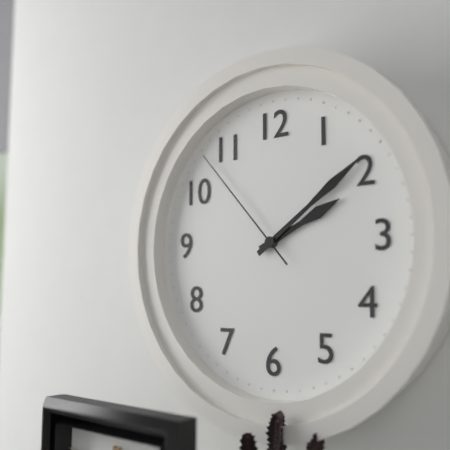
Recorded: {"hour": 2, "minute": 9, "second": 53}
